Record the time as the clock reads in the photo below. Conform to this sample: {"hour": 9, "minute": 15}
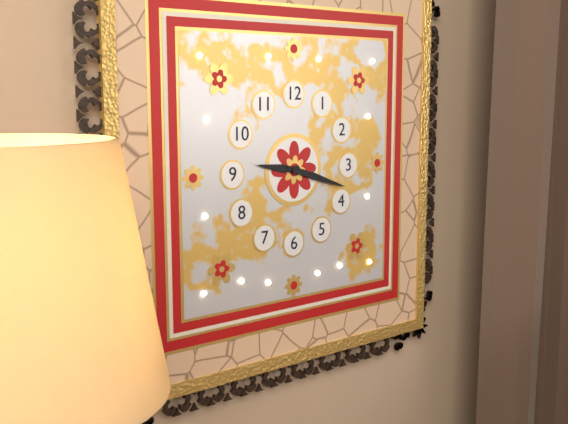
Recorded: {"hour": 9, "minute": 18}
